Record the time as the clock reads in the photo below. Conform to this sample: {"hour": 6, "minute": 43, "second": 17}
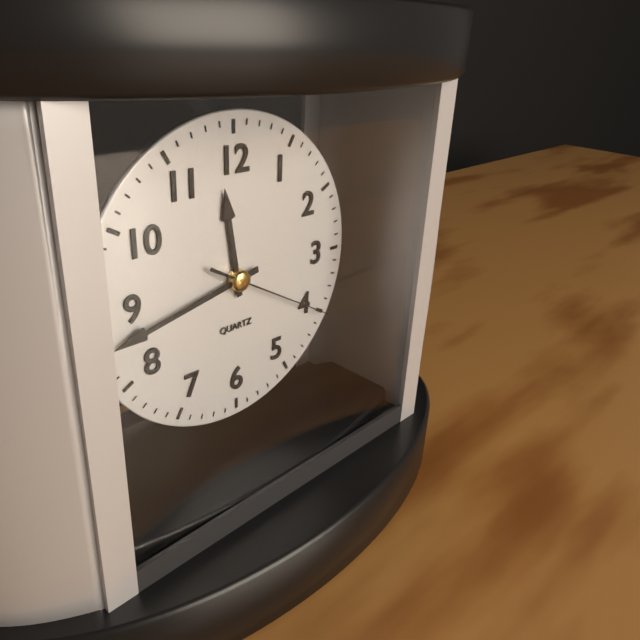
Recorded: {"hour": 11, "minute": 43, "second": 20}
